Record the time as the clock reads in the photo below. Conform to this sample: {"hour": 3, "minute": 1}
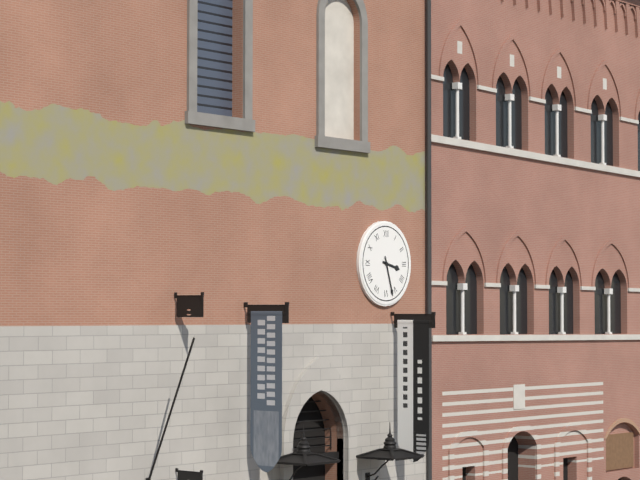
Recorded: {"hour": 3, "minute": 27}
